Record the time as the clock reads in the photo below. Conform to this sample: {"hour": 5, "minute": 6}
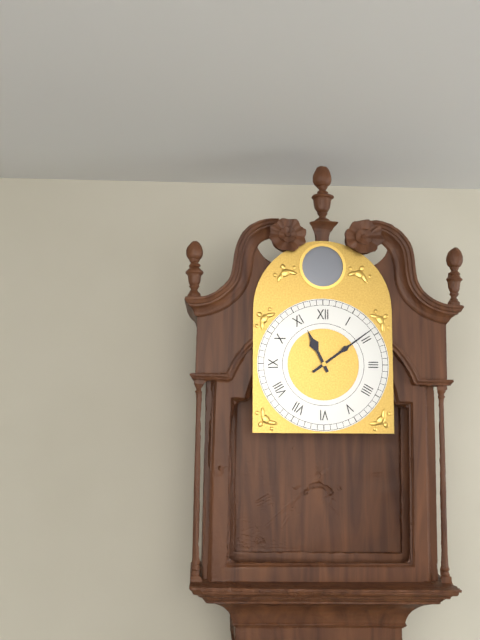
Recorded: {"hour": 11, "minute": 9}
